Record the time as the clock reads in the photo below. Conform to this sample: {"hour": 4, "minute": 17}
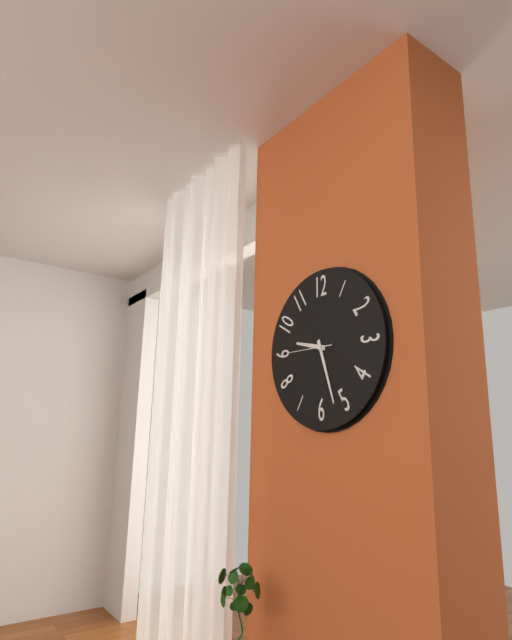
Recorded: {"hour": 9, "minute": 27}
